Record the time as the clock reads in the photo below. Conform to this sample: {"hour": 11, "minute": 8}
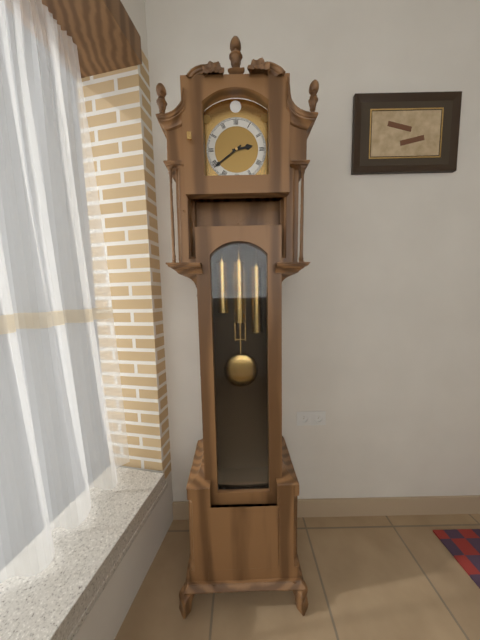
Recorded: {"hour": 2, "minute": 39}
